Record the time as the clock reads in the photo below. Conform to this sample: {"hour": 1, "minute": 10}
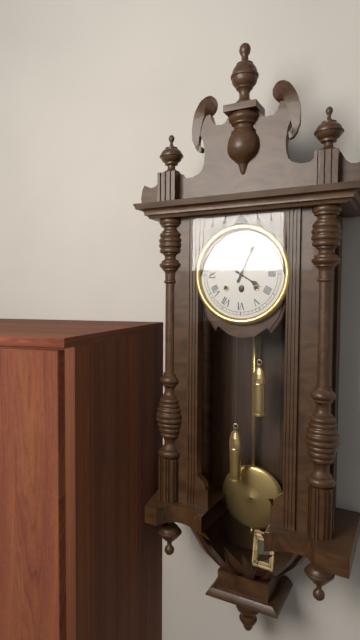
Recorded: {"hour": 4, "minute": 4}
